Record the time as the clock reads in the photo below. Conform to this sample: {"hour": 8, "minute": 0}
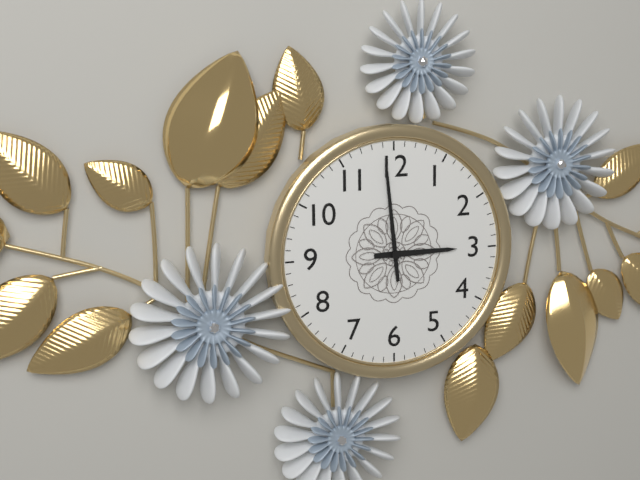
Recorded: {"hour": 2, "minute": 59}
